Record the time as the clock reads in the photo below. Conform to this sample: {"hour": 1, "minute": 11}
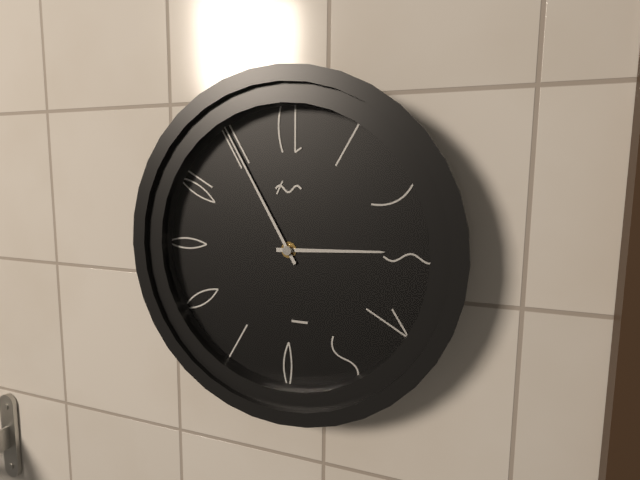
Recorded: {"hour": 2, "minute": 55}
